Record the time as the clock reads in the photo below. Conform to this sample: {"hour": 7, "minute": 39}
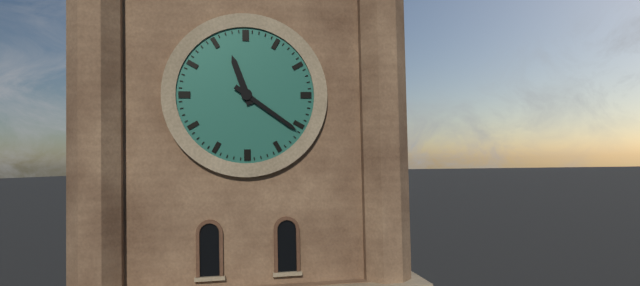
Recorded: {"hour": 11, "minute": 21}
